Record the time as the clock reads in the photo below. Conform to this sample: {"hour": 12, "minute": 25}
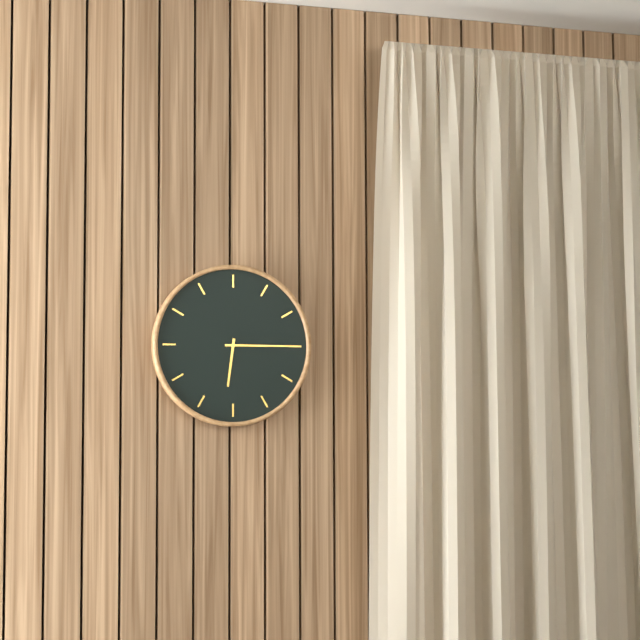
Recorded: {"hour": 6, "minute": 15}
